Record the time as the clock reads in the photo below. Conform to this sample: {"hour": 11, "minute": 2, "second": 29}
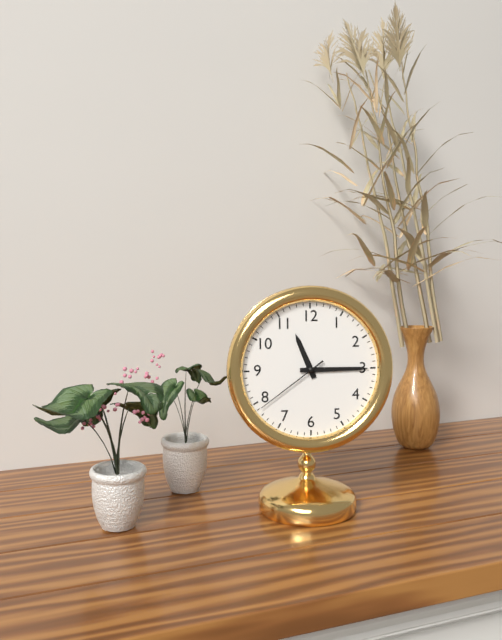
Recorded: {"hour": 11, "minute": 15, "second": 39}
